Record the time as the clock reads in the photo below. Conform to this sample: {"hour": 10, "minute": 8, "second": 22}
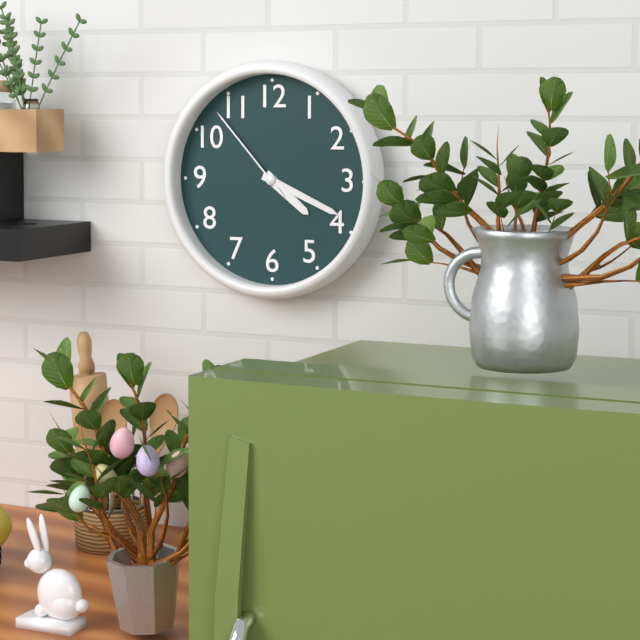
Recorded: {"hour": 4, "minute": 19, "second": 53}
